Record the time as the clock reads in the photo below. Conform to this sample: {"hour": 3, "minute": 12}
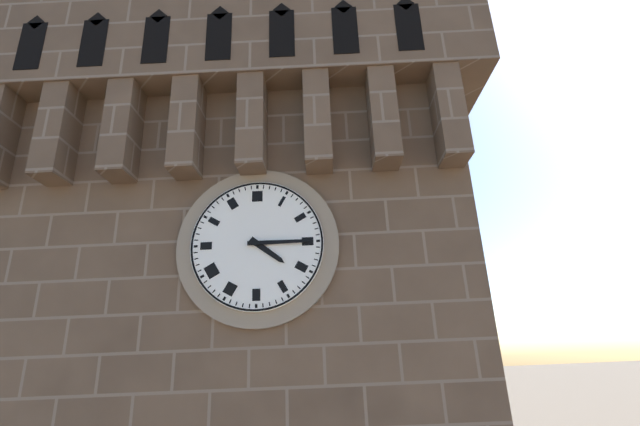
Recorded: {"hour": 4, "minute": 15}
